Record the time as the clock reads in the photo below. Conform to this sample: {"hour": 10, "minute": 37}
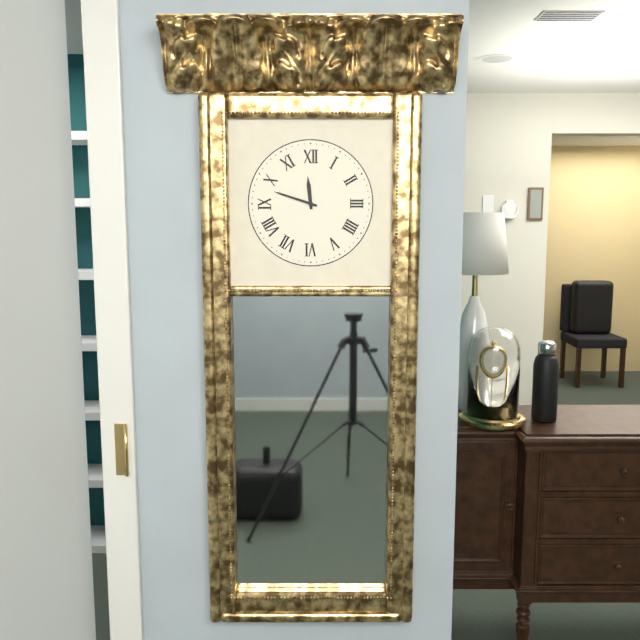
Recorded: {"hour": 11, "minute": 48}
